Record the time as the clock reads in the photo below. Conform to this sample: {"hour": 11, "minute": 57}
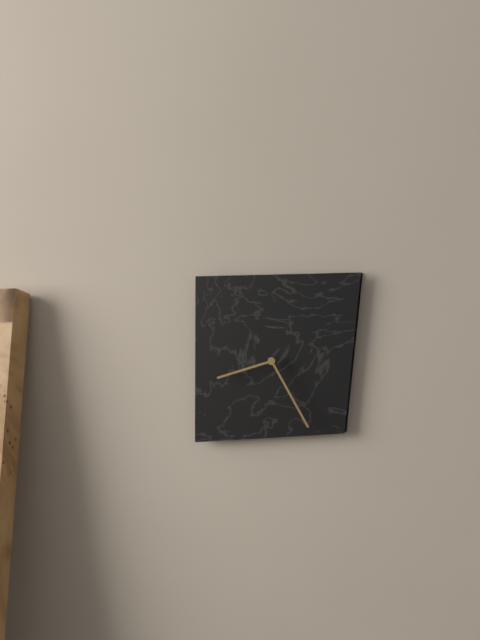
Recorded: {"hour": 8, "minute": 25}
